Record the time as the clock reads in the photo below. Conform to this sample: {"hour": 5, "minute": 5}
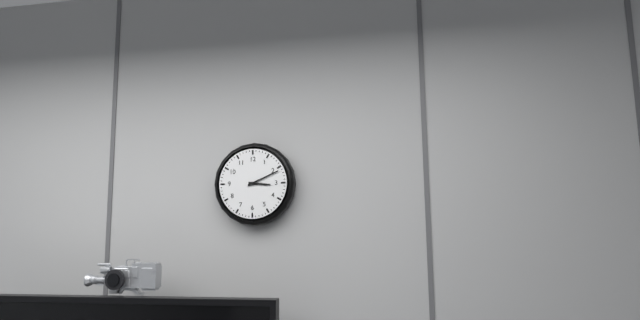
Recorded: {"hour": 3, "minute": 11}
